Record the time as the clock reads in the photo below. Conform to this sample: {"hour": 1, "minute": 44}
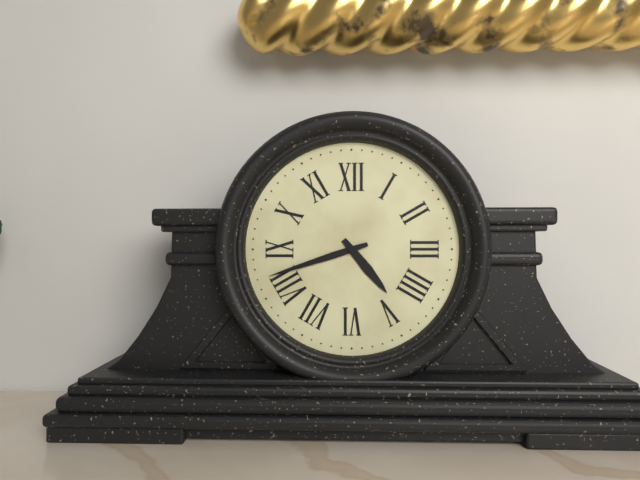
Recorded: {"hour": 4, "minute": 42}
